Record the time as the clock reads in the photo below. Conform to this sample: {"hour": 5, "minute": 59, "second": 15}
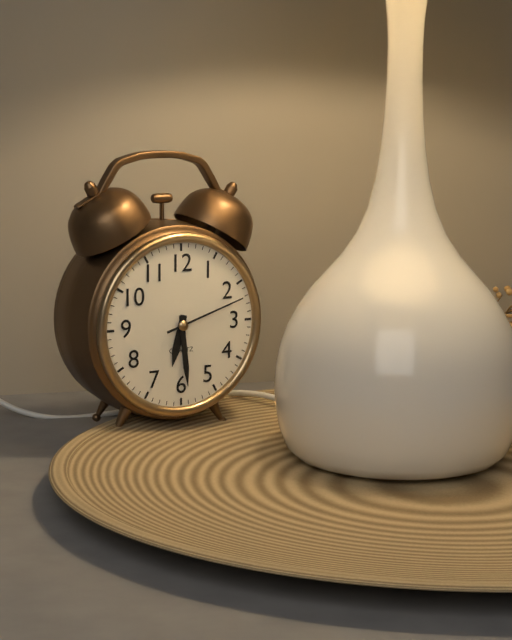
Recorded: {"hour": 6, "minute": 29, "second": 12}
